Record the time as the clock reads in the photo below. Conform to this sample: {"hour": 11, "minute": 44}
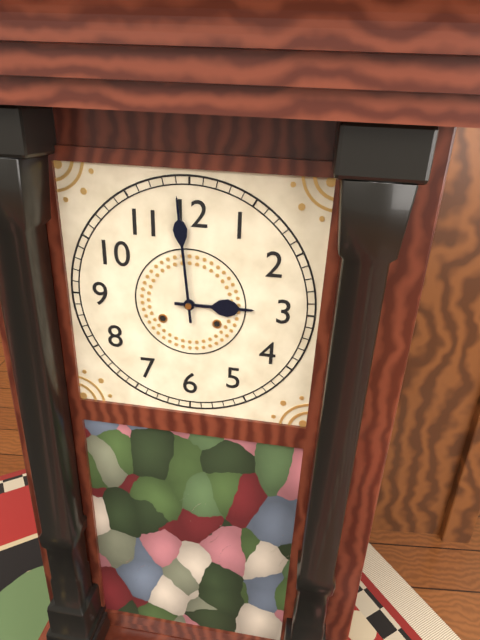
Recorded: {"hour": 2, "minute": 59}
